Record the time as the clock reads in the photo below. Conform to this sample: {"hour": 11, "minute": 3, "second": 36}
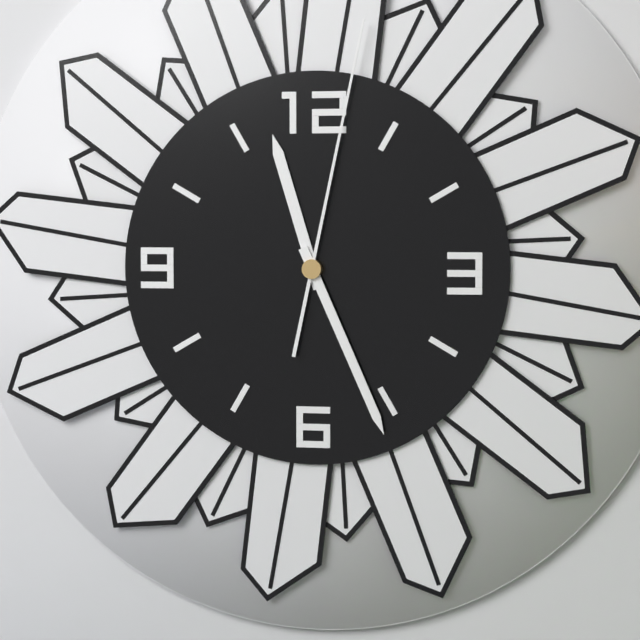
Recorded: {"hour": 11, "minute": 26, "second": 2}
